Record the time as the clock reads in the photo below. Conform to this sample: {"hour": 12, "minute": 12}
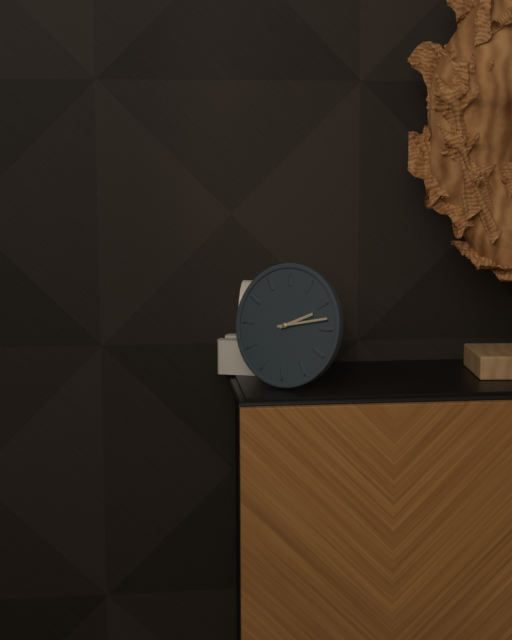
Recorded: {"hour": 2, "minute": 13}
